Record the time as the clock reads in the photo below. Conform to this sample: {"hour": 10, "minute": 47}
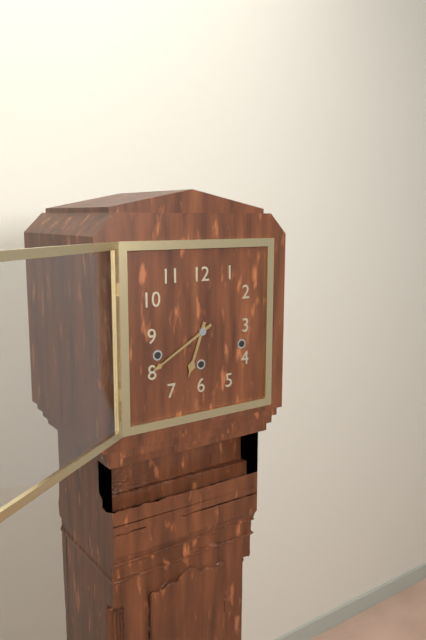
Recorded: {"hour": 6, "minute": 40}
